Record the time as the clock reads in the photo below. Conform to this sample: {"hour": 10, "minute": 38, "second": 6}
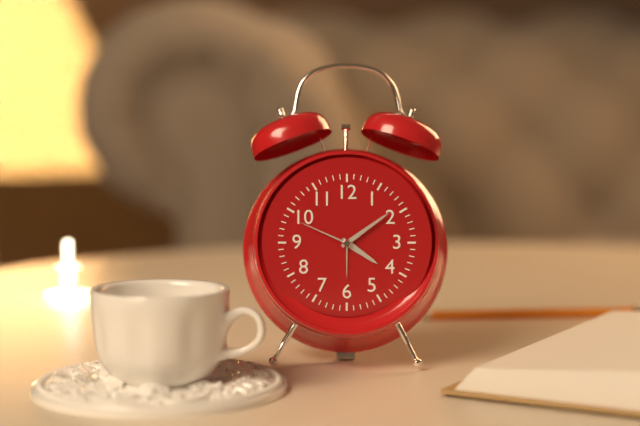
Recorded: {"hour": 4, "minute": 9, "second": 49}
